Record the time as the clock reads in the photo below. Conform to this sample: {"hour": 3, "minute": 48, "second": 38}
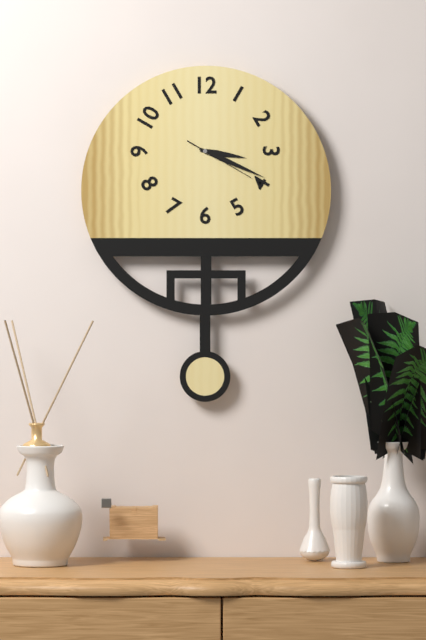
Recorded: {"hour": 3, "minute": 19, "second": 20}
